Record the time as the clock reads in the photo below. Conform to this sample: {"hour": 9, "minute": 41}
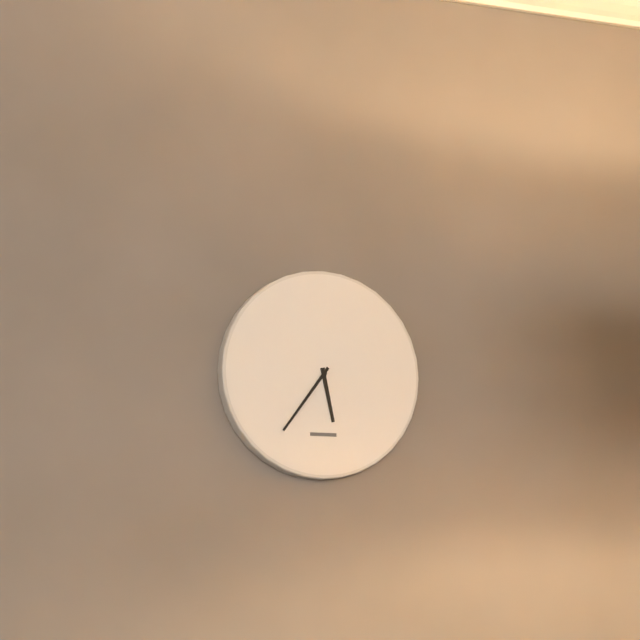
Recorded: {"hour": 5, "minute": 36}
